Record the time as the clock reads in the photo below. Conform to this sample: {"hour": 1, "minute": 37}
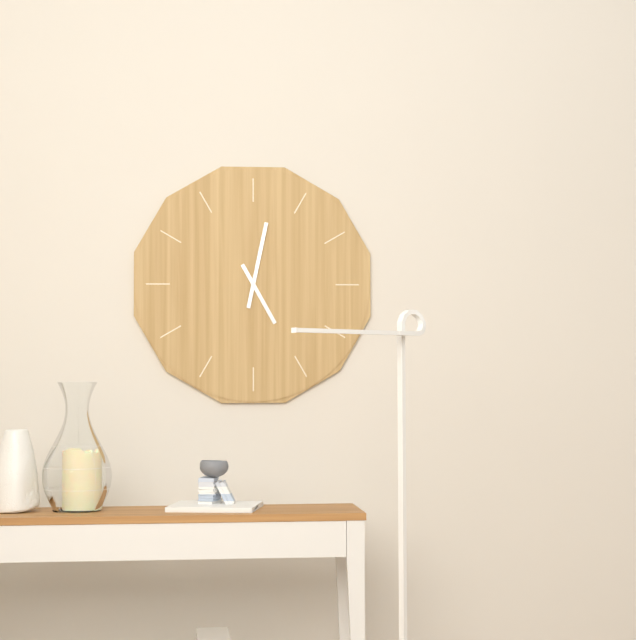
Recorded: {"hour": 5, "minute": 2}
